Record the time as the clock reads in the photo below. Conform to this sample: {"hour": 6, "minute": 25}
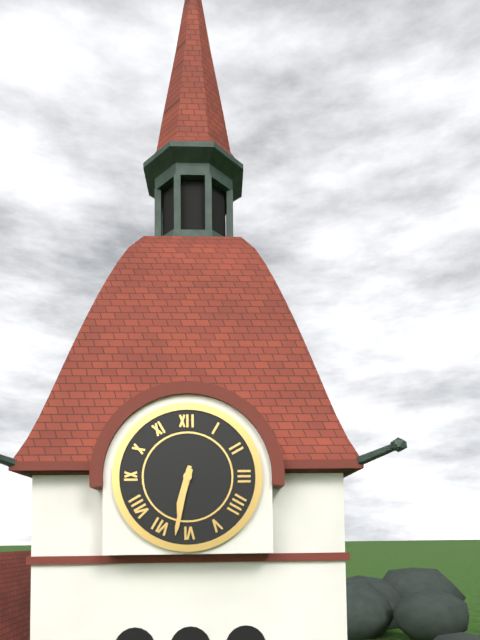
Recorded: {"hour": 6, "minute": 32}
